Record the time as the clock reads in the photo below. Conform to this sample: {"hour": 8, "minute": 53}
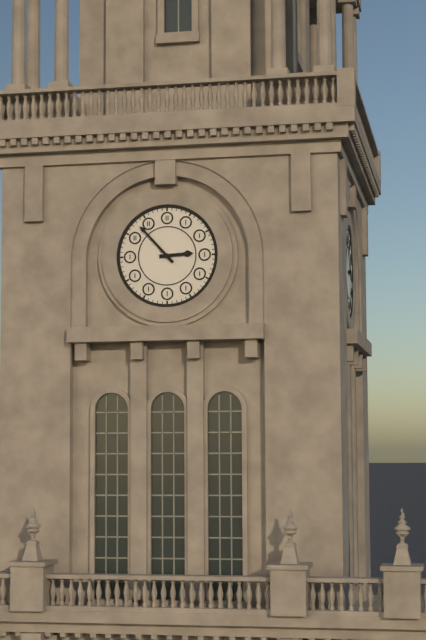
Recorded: {"hour": 2, "minute": 53}
